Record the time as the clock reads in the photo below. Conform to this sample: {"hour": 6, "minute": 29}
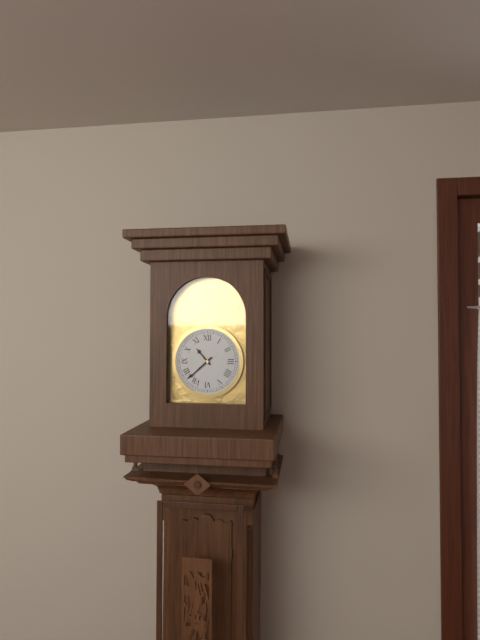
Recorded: {"hour": 10, "minute": 38}
